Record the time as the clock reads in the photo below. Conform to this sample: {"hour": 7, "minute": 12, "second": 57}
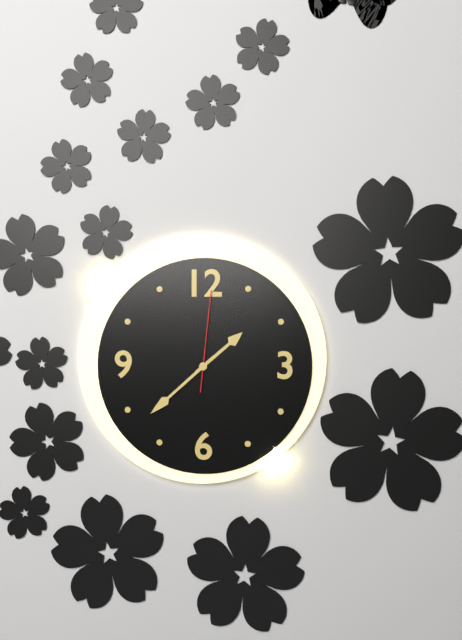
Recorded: {"hour": 1, "minute": 38, "second": 1}
